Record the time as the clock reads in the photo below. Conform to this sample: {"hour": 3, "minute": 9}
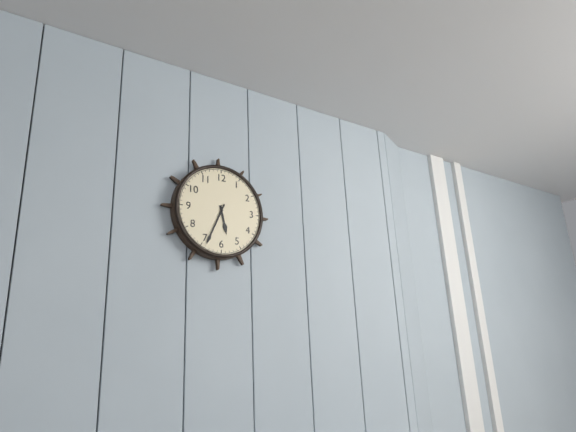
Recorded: {"hour": 5, "minute": 34}
